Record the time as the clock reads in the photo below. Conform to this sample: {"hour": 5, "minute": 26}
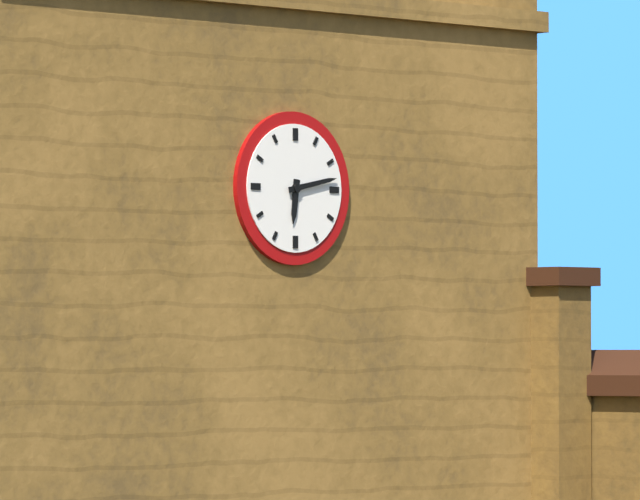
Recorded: {"hour": 6, "minute": 13}
